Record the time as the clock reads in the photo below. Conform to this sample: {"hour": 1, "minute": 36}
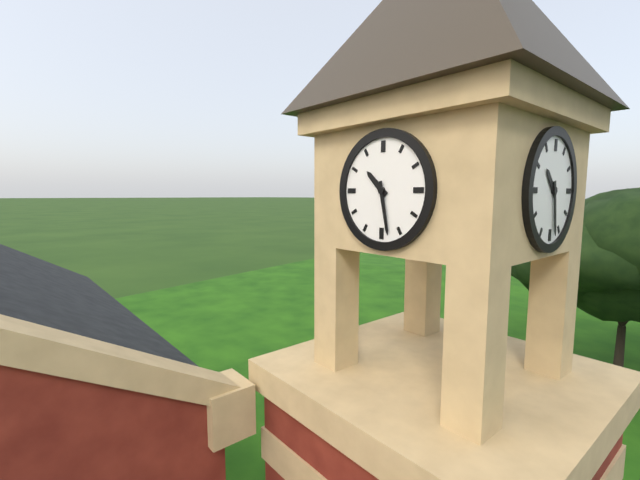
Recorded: {"hour": 10, "minute": 28}
